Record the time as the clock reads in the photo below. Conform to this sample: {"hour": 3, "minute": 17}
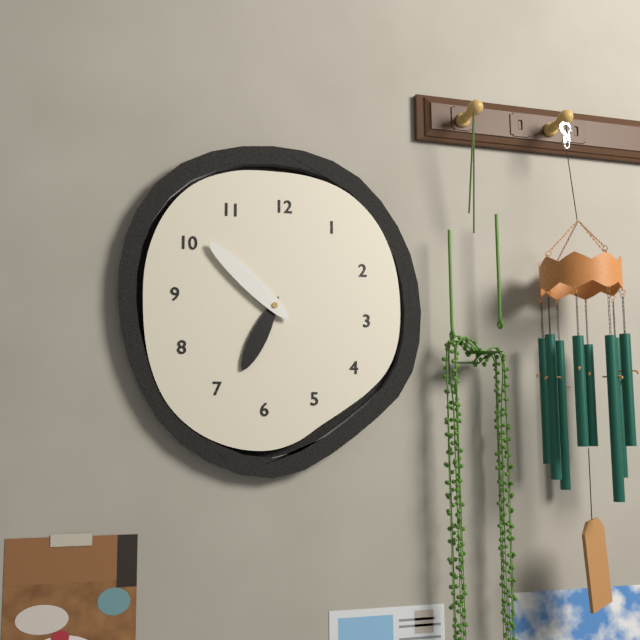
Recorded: {"hour": 6, "minute": 52}
